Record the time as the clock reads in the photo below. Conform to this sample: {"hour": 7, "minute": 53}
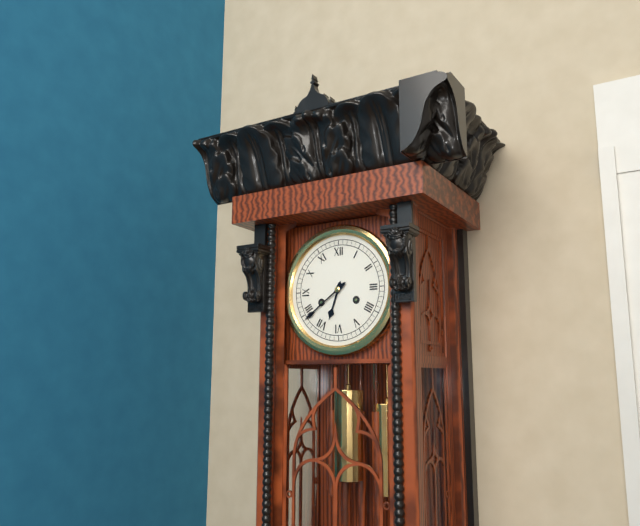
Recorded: {"hour": 6, "minute": 39}
